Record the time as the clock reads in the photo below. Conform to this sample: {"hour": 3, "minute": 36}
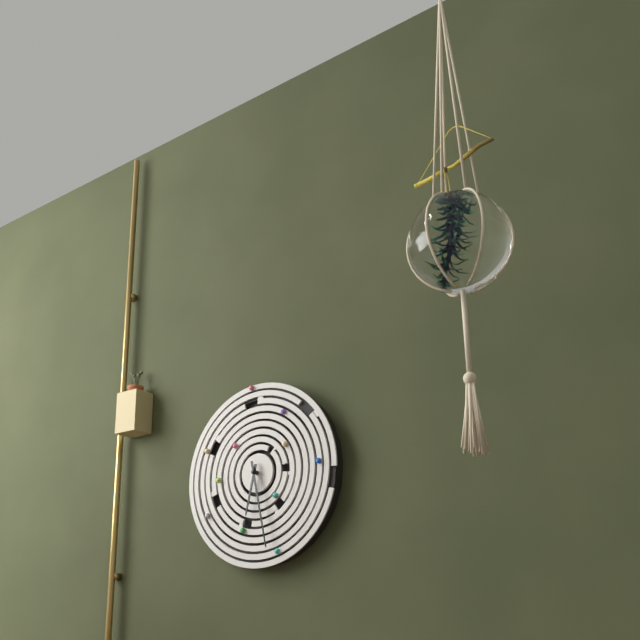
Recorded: {"hour": 6, "minute": 28}
